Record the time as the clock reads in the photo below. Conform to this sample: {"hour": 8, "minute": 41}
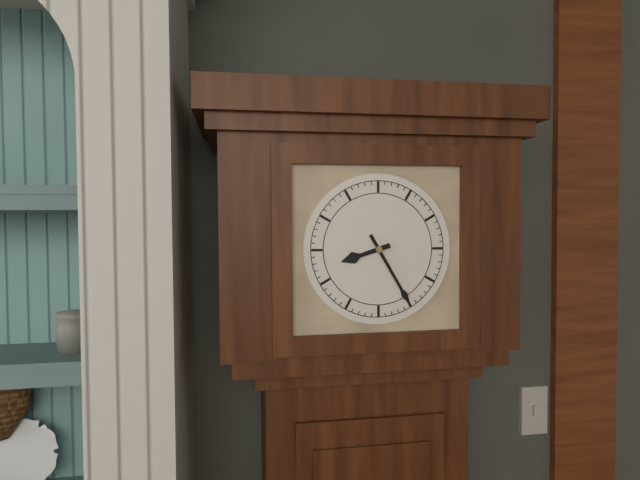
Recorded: {"hour": 8, "minute": 25}
